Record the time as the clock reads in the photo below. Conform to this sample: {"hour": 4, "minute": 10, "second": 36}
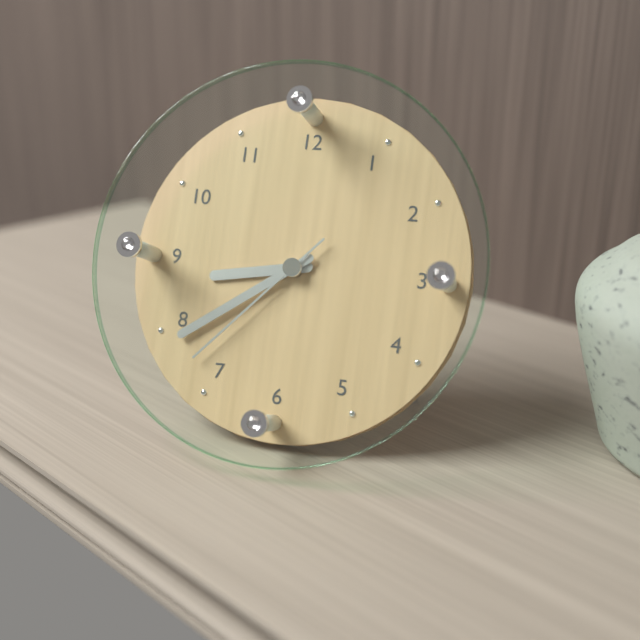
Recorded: {"hour": 8, "minute": 39, "second": 37}
